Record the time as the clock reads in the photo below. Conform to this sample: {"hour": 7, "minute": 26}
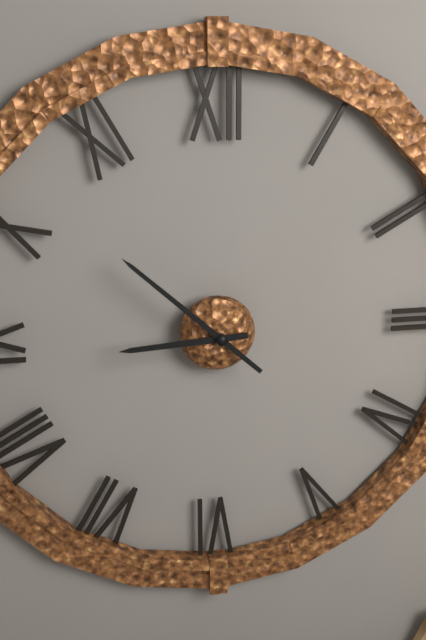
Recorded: {"hour": 8, "minute": 52}
